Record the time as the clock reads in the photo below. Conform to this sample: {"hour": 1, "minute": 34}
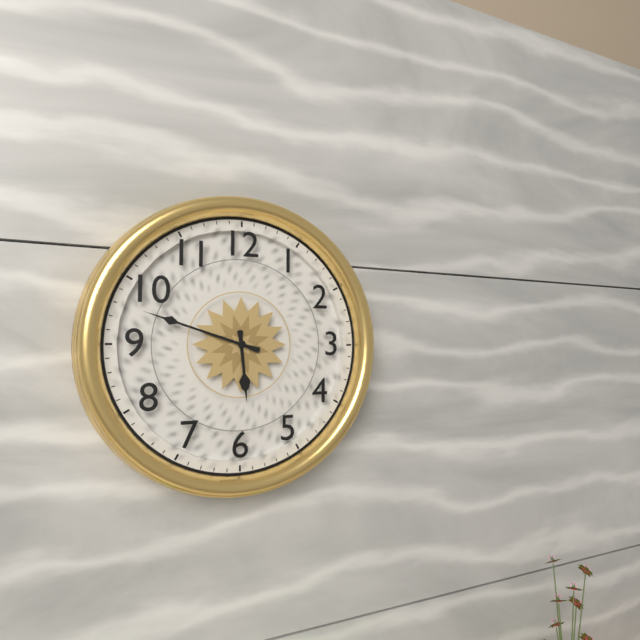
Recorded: {"hour": 5, "minute": 48}
